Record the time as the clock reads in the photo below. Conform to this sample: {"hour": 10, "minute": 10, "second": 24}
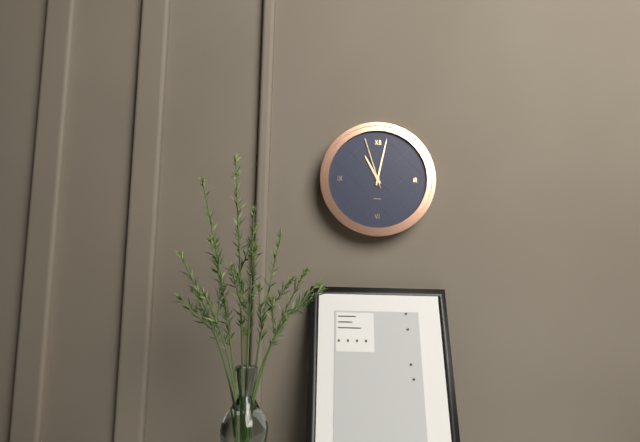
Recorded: {"hour": 11, "minute": 2, "second": 57}
